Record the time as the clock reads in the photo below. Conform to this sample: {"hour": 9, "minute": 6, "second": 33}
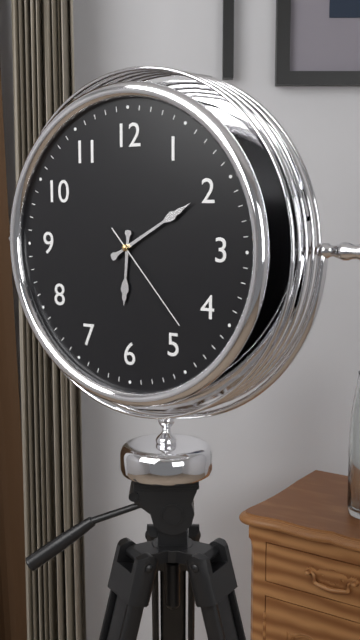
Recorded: {"hour": 6, "minute": 10, "second": 23}
